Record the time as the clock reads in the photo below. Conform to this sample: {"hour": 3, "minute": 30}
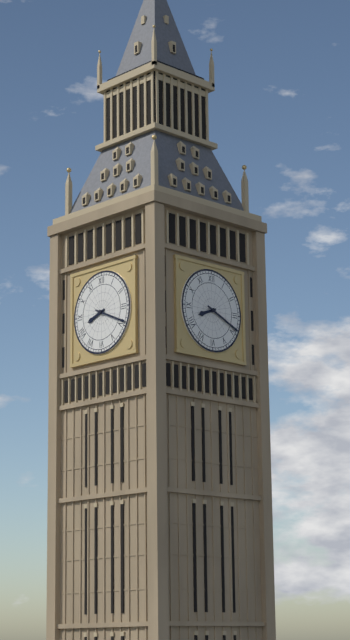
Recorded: {"hour": 8, "minute": 19}
